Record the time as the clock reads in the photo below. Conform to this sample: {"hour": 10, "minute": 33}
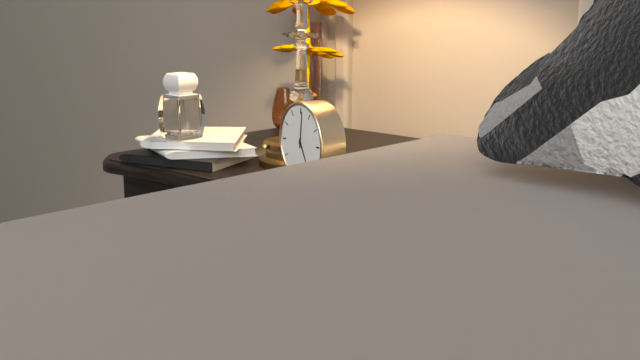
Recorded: {"hour": 5, "minute": 1}
